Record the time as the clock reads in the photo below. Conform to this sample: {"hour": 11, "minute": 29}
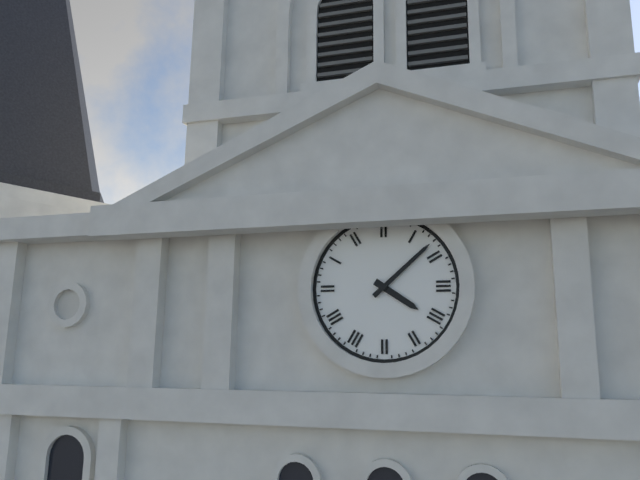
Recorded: {"hour": 4, "minute": 8}
